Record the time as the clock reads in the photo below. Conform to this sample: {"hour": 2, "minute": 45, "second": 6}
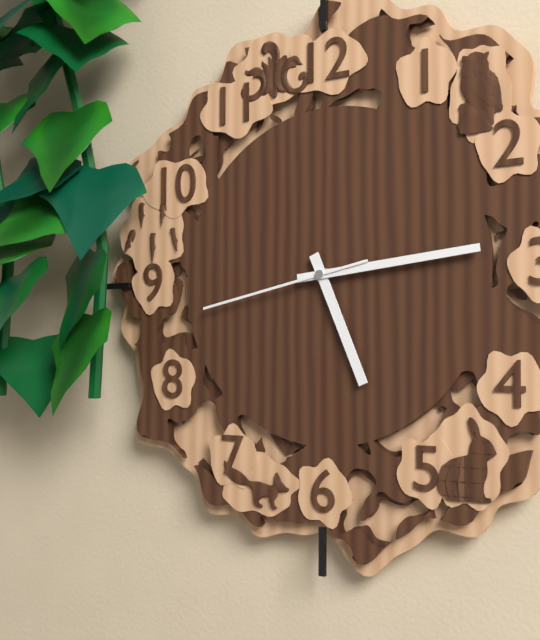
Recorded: {"hour": 5, "minute": 14, "second": 43}
